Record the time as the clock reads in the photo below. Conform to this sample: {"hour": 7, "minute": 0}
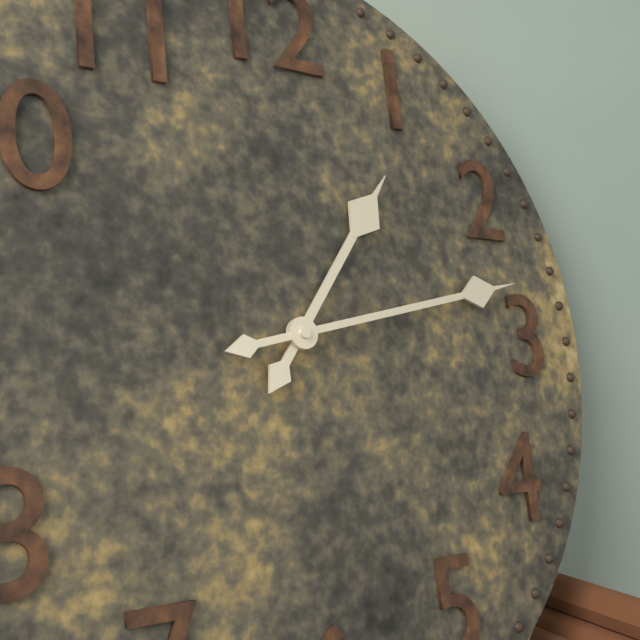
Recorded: {"hour": 1, "minute": 13}
